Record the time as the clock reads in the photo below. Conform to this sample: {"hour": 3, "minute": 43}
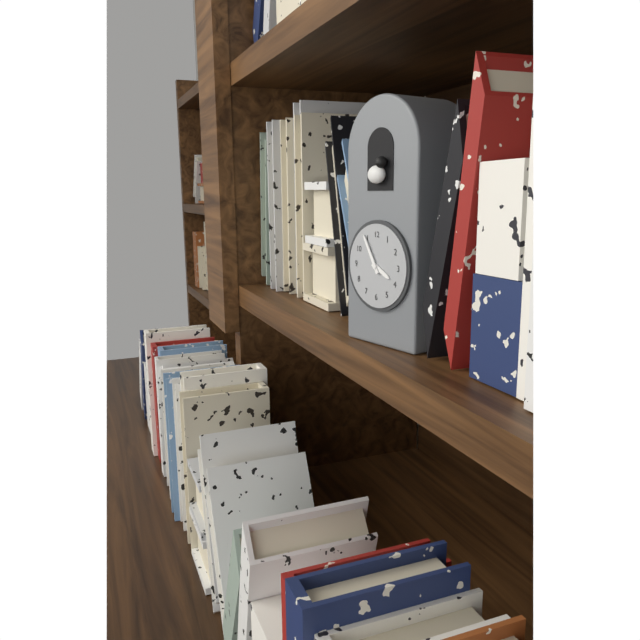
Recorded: {"hour": 3, "minute": 55}
